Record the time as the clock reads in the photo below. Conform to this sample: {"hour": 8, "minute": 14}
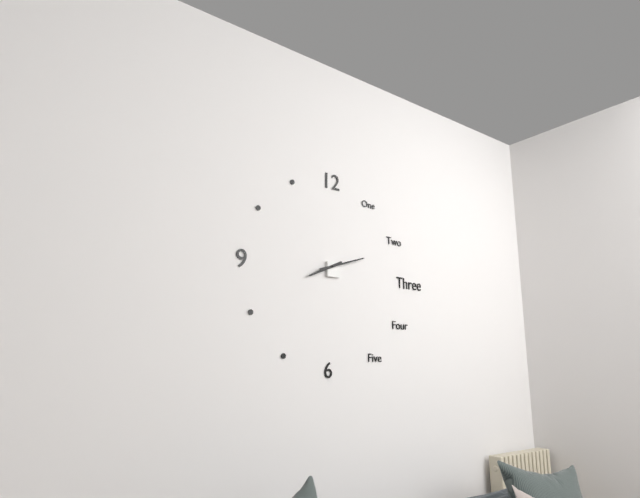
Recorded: {"hour": 8, "minute": 12}
